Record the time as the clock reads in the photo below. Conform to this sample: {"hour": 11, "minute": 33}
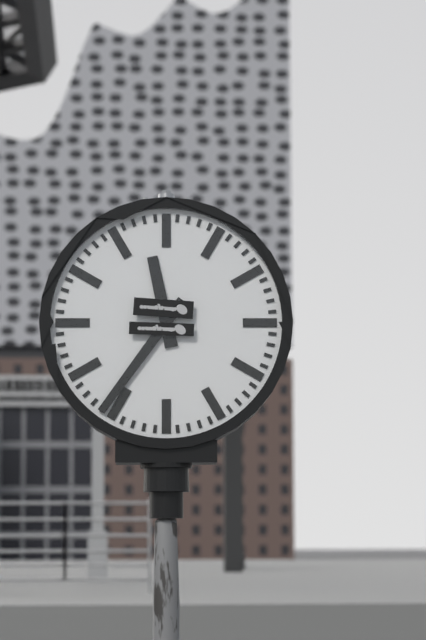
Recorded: {"hour": 11, "minute": 36}
